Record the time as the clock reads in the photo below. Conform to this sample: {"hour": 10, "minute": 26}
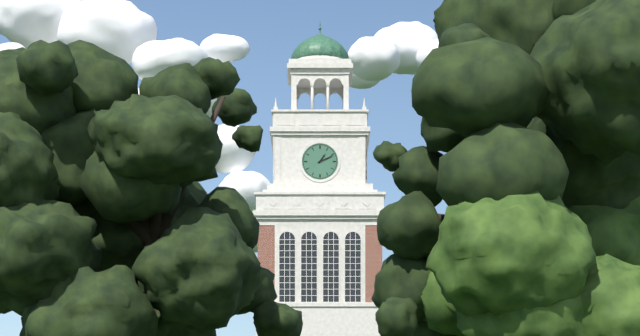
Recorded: {"hour": 1, "minute": 11}
